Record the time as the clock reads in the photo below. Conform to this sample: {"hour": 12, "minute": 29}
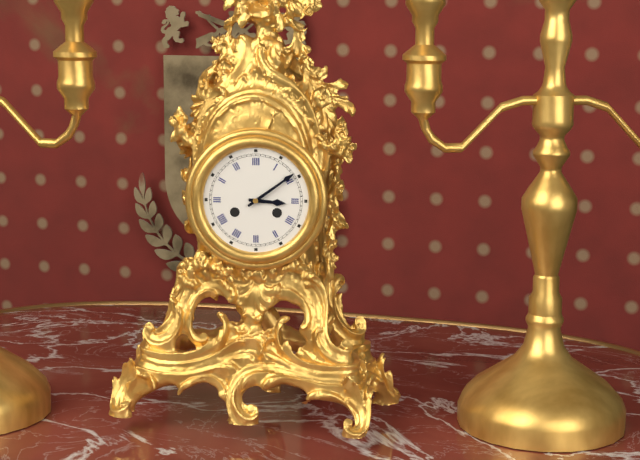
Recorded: {"hour": 3, "minute": 9}
